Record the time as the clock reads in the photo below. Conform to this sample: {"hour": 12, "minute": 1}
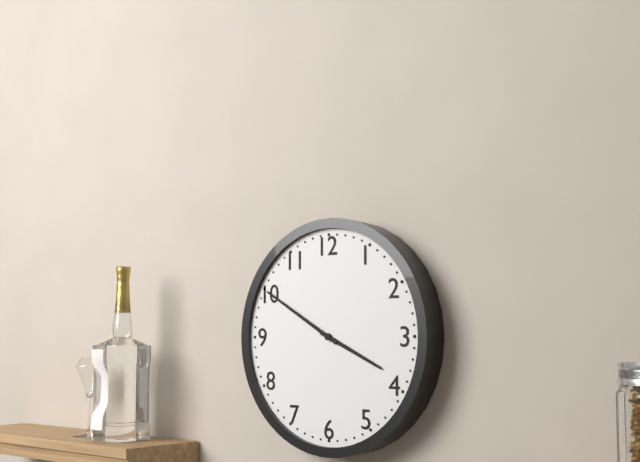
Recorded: {"hour": 3, "minute": 50}
